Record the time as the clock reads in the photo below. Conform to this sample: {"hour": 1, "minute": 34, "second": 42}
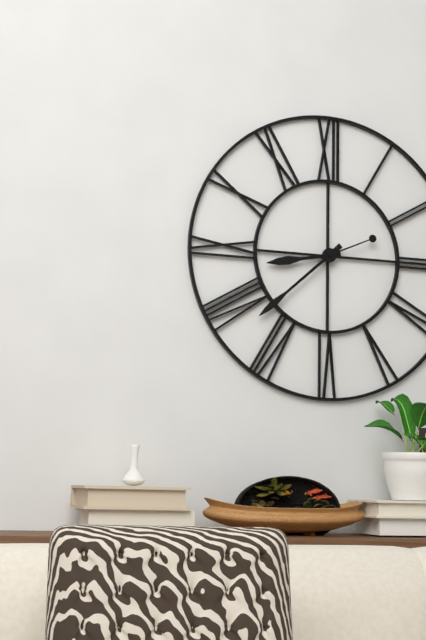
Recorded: {"hour": 8, "minute": 38, "second": 11}
